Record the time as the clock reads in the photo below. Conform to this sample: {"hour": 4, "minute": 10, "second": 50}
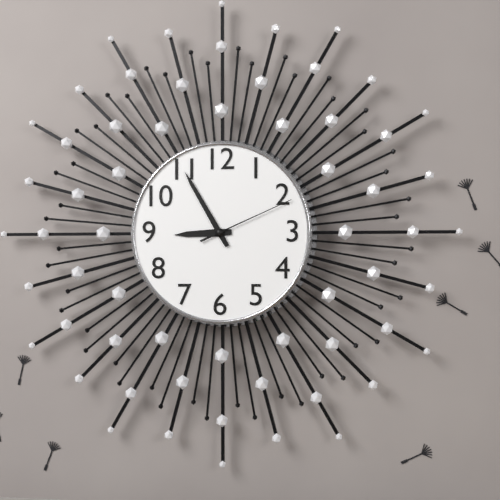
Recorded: {"hour": 8, "minute": 55, "second": 11}
